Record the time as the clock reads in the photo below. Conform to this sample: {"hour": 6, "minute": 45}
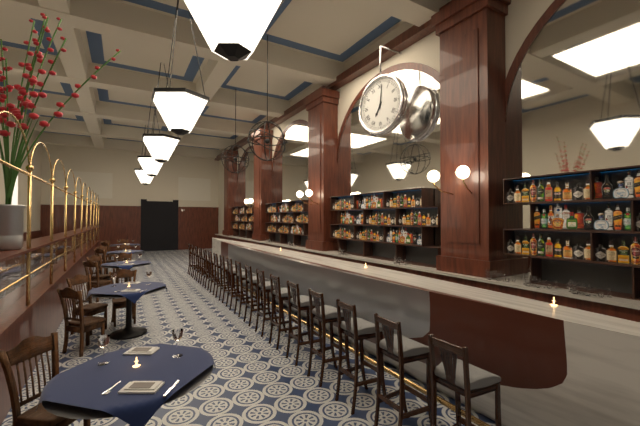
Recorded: {"hour": 7, "minute": 1}
